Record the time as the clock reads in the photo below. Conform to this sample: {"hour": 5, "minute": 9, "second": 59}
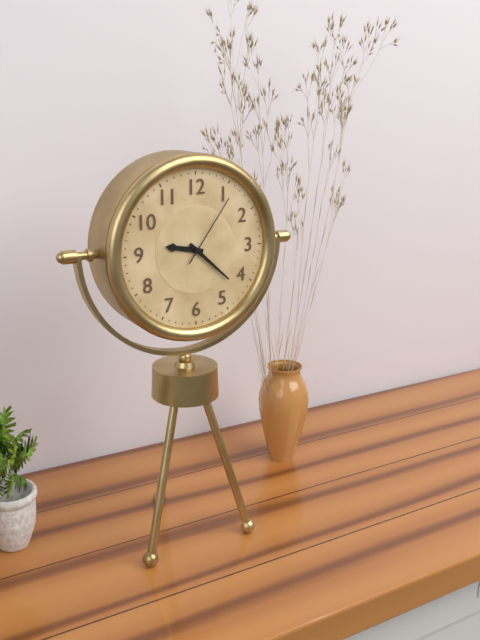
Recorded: {"hour": 9, "minute": 22, "second": 6}
